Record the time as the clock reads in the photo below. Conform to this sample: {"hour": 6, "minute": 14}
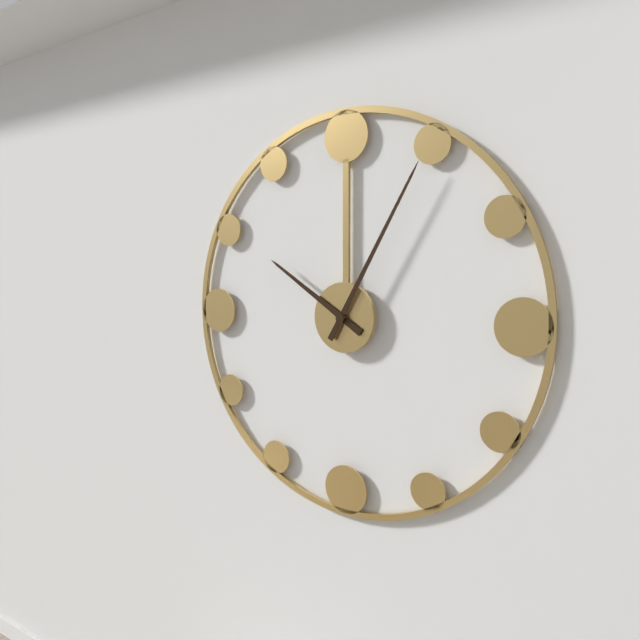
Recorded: {"hour": 10, "minute": 5}
